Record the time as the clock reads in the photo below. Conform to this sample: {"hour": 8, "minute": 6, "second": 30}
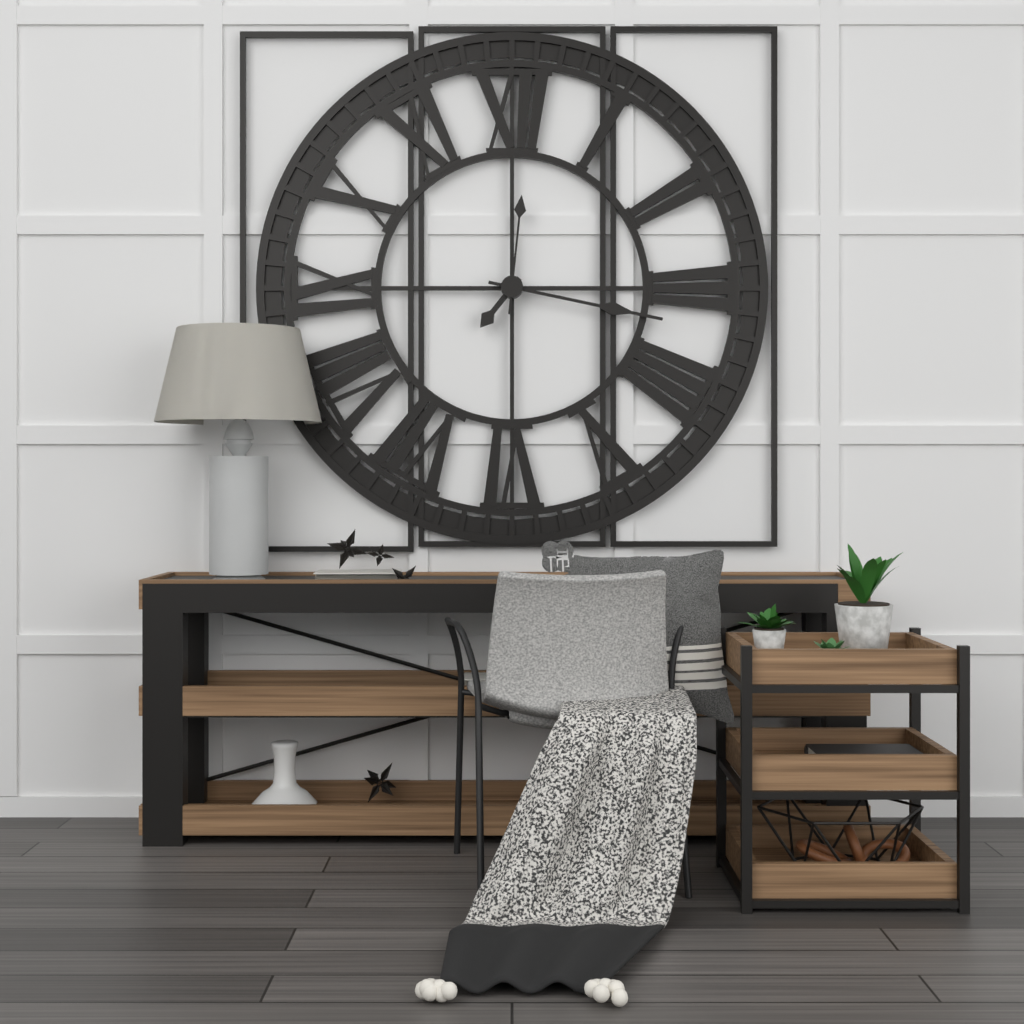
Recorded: {"hour": 7, "minute": 17, "second": 1}
